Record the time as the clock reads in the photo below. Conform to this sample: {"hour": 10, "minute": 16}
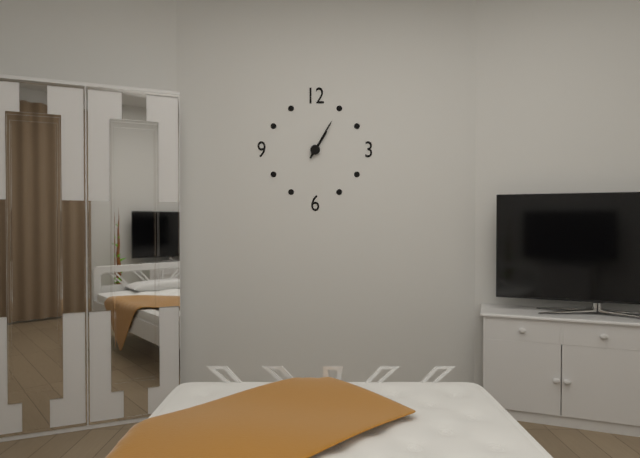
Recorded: {"hour": 1, "minute": 5}
